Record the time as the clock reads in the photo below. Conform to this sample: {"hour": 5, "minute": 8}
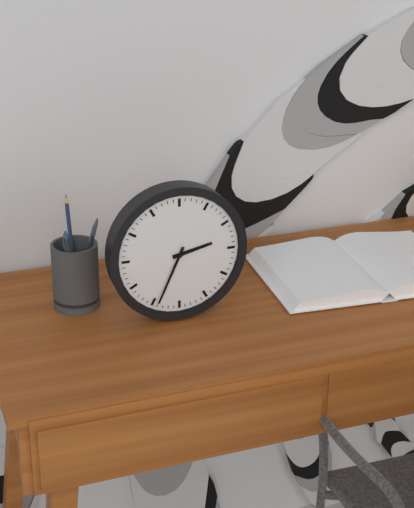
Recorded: {"hour": 2, "minute": 34}
